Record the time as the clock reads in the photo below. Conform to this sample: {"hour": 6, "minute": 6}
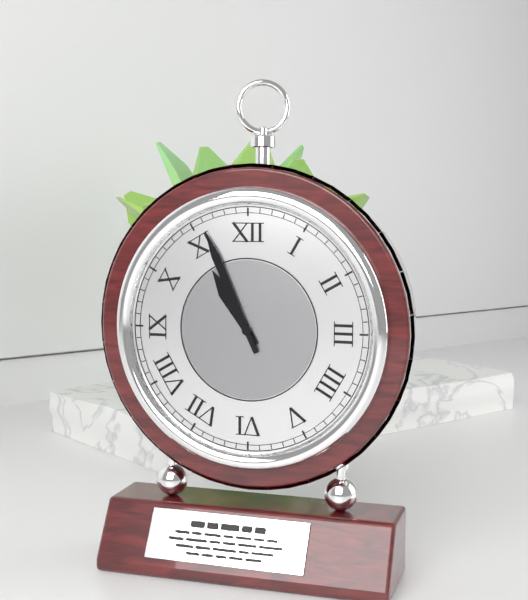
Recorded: {"hour": 10, "minute": 56}
